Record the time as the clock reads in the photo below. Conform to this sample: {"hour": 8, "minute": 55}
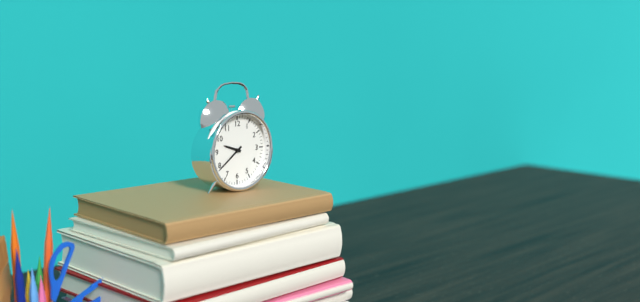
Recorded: {"hour": 9, "minute": 39}
